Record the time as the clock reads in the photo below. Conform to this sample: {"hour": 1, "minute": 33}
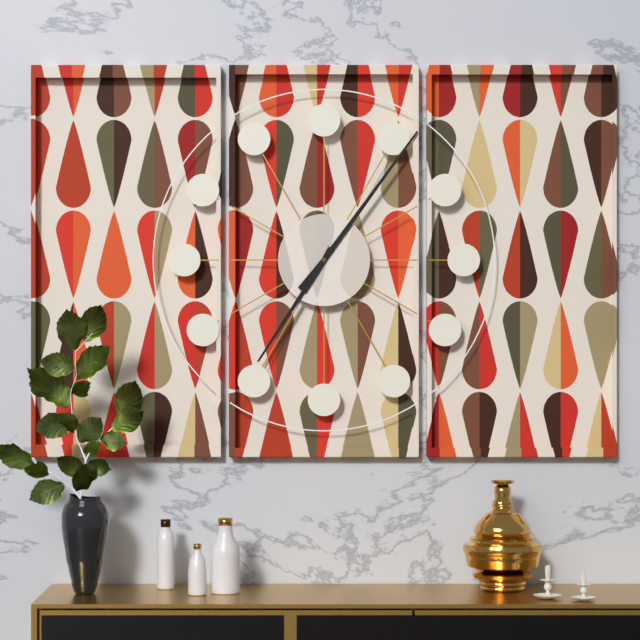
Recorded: {"hour": 7, "minute": 6}
